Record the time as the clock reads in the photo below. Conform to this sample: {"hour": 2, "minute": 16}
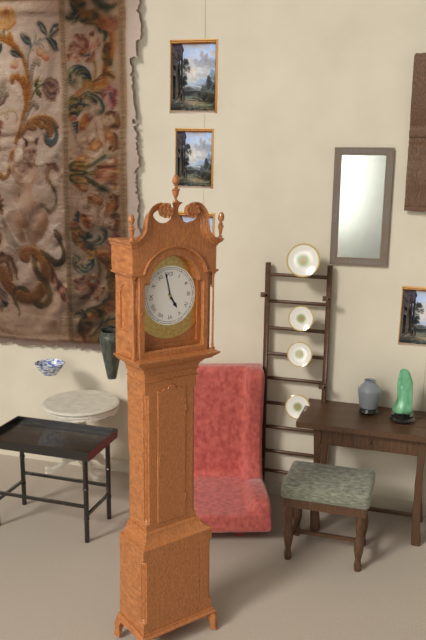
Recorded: {"hour": 4, "minute": 58}
